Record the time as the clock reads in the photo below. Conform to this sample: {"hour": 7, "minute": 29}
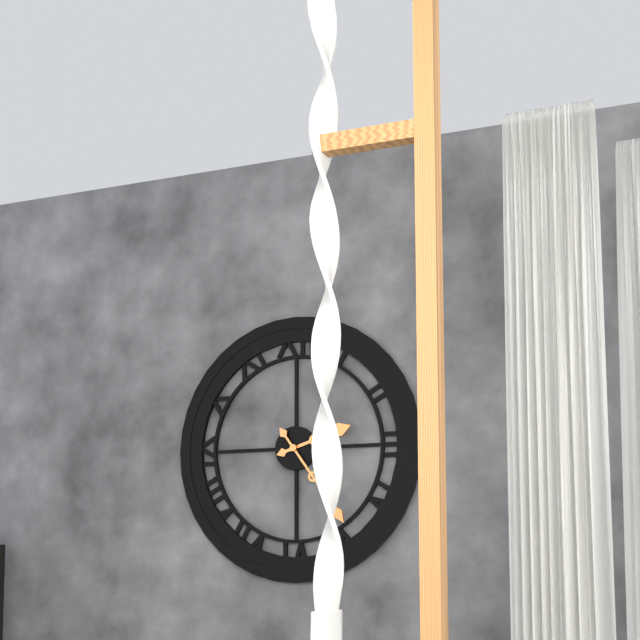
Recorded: {"hour": 2, "minute": 24}
